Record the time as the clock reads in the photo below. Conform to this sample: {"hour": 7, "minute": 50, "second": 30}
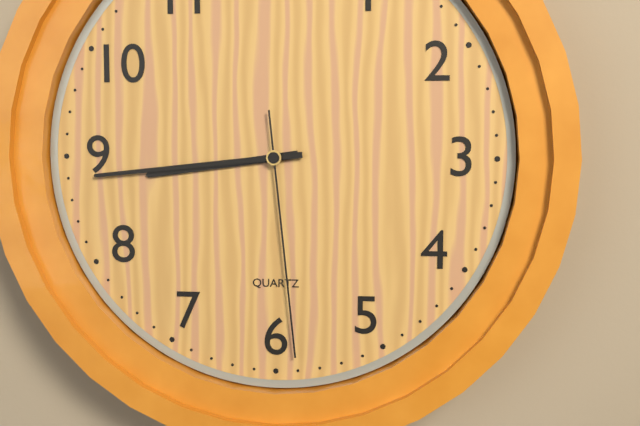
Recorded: {"hour": 8, "minute": 44, "second": 29}
